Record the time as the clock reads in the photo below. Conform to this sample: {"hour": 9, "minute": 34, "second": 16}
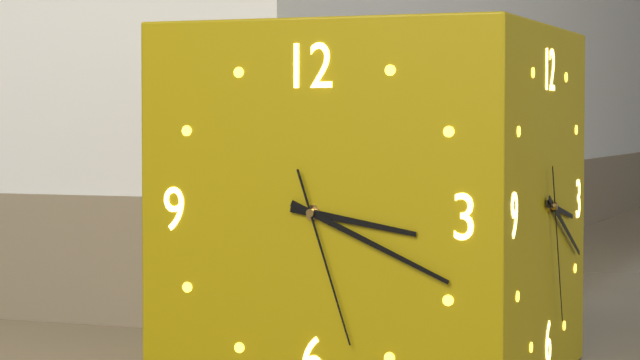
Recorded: {"hour": 3, "minute": 19, "second": 27}
